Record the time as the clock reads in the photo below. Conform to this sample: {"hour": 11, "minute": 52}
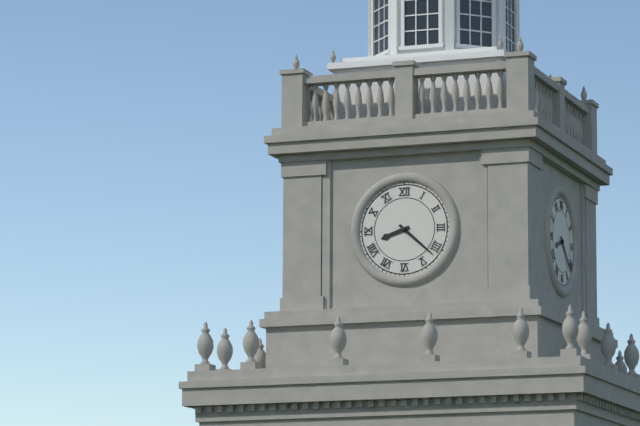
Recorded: {"hour": 8, "minute": 22}
